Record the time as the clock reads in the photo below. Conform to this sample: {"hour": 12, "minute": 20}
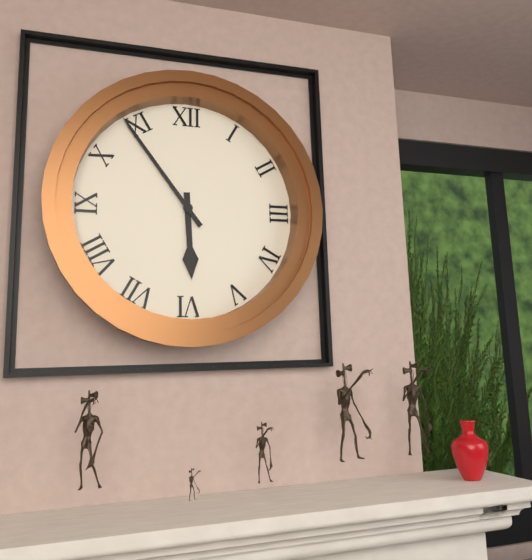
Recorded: {"hour": 5, "minute": 54}
